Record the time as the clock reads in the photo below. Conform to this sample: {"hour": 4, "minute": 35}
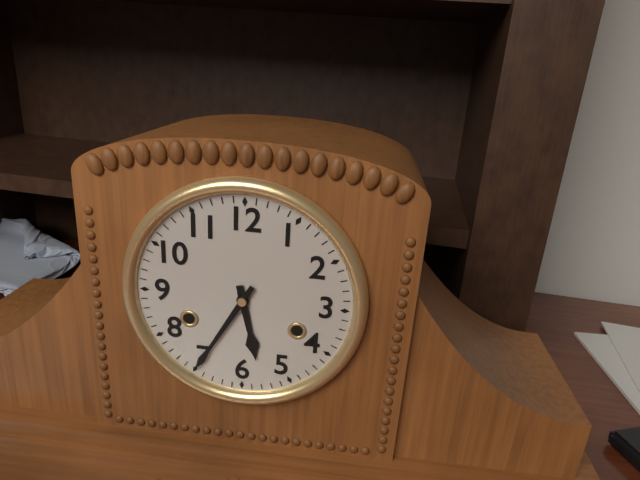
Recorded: {"hour": 5, "minute": 35}
